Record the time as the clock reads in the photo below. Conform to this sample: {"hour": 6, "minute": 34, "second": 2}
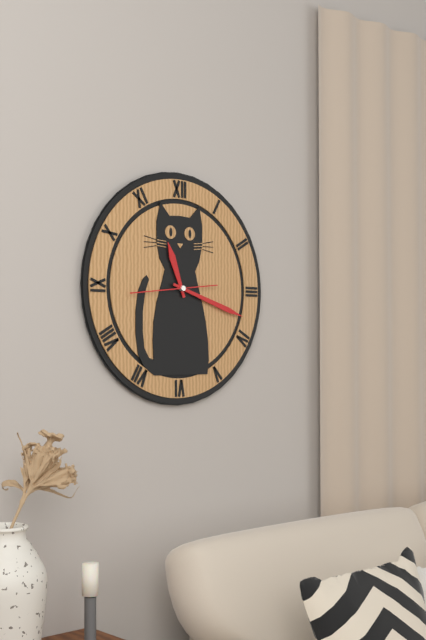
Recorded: {"hour": 11, "minute": 18, "second": 44}
